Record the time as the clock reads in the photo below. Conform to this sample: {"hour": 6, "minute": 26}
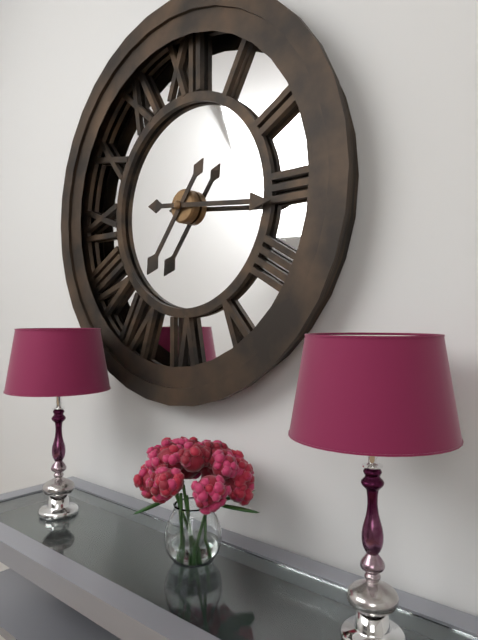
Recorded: {"hour": 7, "minute": 16}
